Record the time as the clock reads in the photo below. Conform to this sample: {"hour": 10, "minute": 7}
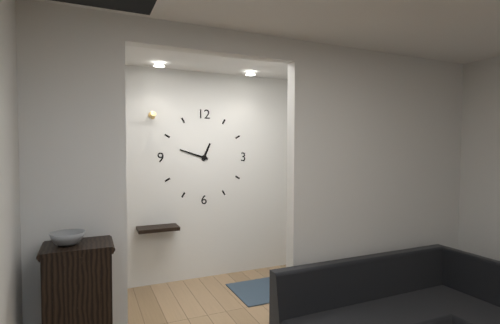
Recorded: {"hour": 12, "minute": 48}
